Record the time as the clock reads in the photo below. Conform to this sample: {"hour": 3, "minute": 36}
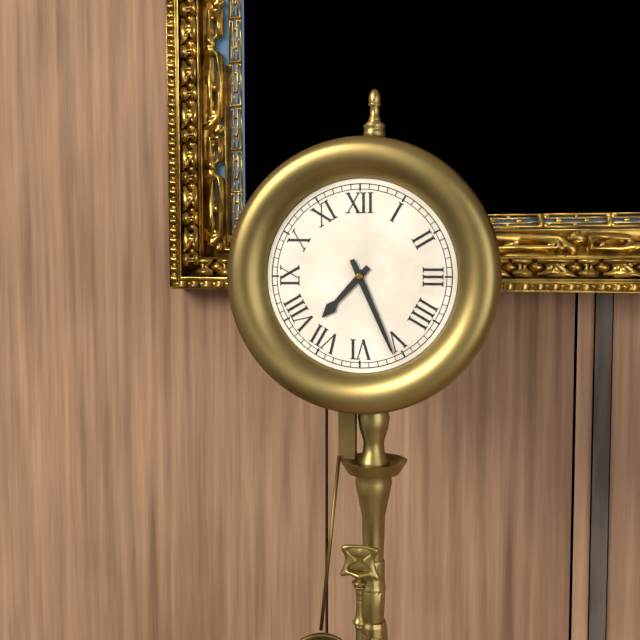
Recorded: {"hour": 7, "minute": 26}
